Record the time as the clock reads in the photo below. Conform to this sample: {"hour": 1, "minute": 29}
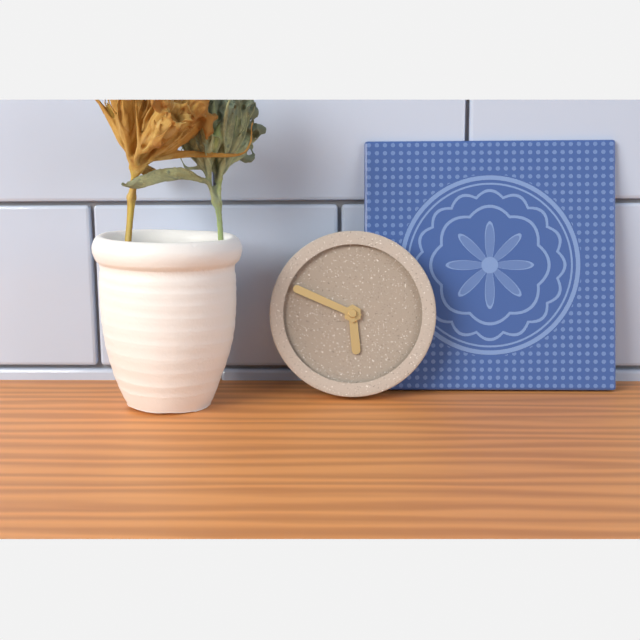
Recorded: {"hour": 5, "minute": 49}
